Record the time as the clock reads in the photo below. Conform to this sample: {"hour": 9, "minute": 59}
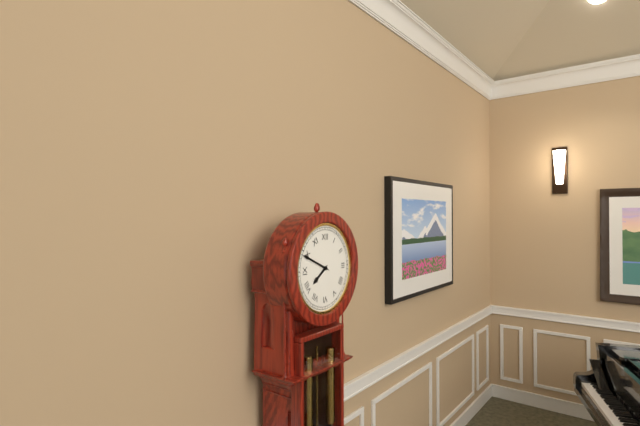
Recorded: {"hour": 7, "minute": 49}
